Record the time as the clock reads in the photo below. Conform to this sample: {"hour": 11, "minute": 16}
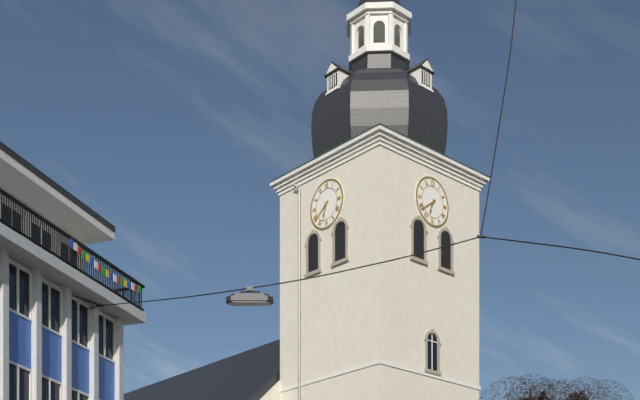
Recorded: {"hour": 6, "minute": 39}
